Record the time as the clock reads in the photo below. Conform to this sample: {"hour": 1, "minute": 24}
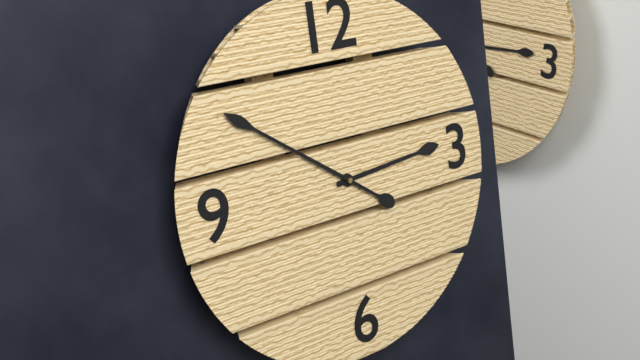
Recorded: {"hour": 2, "minute": 51}
